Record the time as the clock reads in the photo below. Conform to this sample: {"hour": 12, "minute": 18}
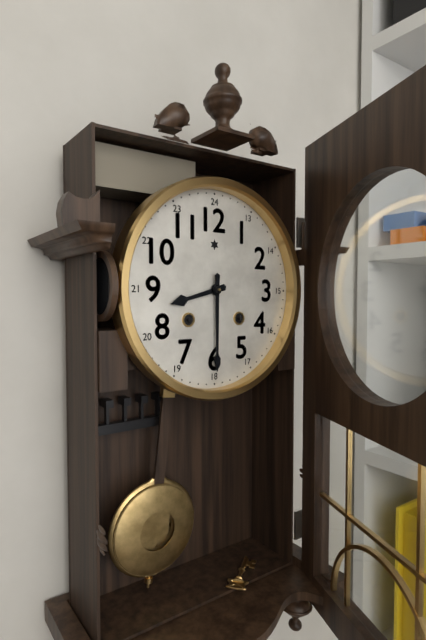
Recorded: {"hour": 8, "minute": 30}
